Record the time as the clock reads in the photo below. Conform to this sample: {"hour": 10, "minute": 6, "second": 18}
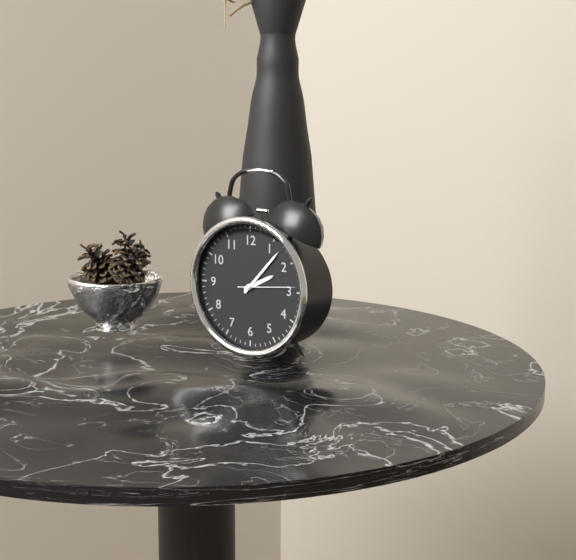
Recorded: {"hour": 2, "minute": 7, "second": 14}
